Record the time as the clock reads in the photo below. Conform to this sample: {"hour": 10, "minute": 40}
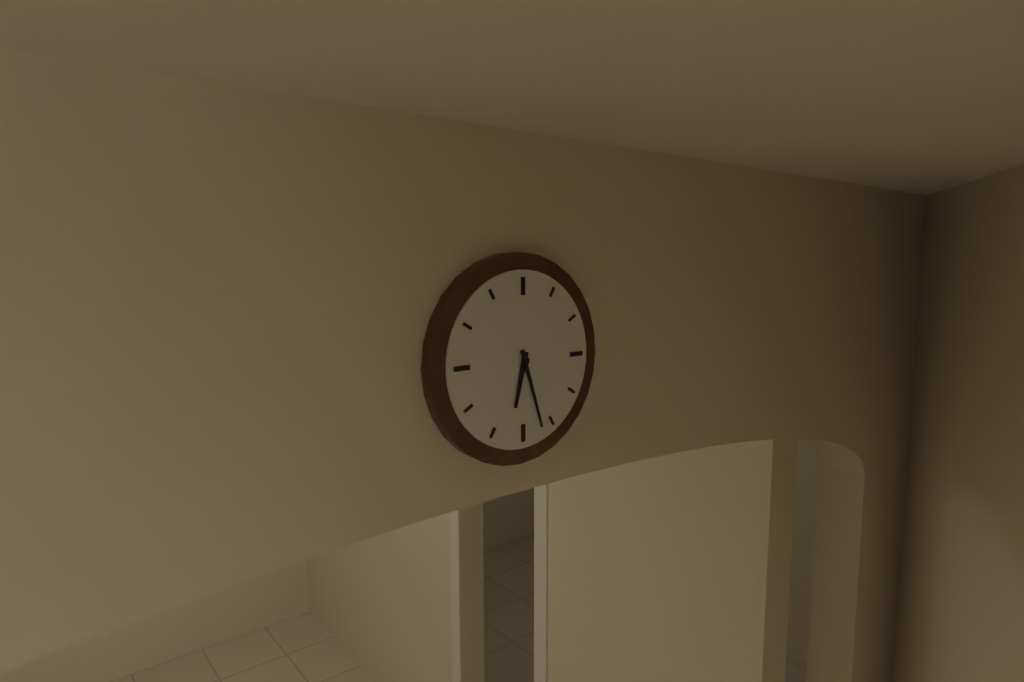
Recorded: {"hour": 6, "minute": 27}
